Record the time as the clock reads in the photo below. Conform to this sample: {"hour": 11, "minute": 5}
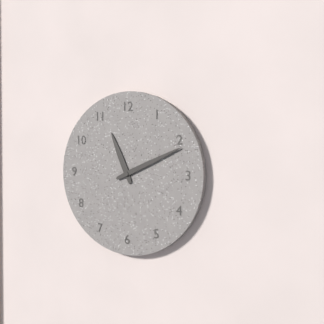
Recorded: {"hour": 11, "minute": 11}
